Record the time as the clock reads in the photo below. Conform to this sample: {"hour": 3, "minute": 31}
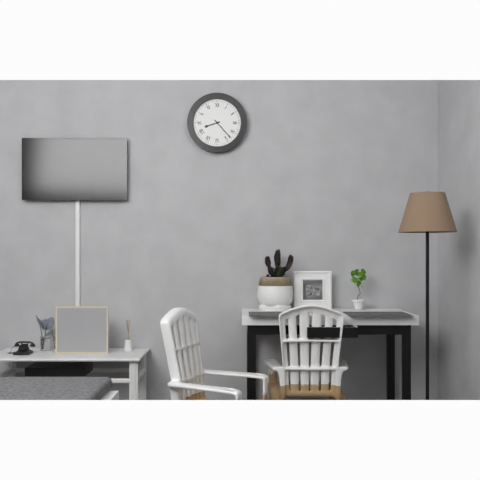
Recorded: {"hour": 8, "minute": 23}
